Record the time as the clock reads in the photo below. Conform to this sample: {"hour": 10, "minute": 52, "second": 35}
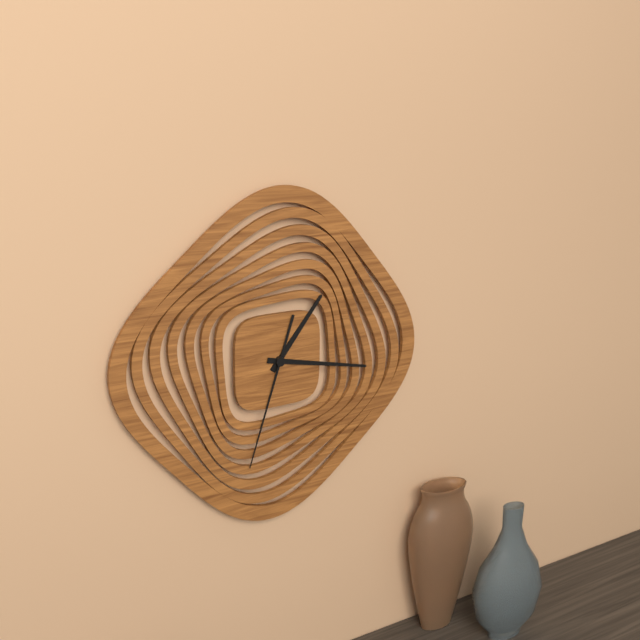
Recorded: {"hour": 1, "minute": 17, "second": 33}
